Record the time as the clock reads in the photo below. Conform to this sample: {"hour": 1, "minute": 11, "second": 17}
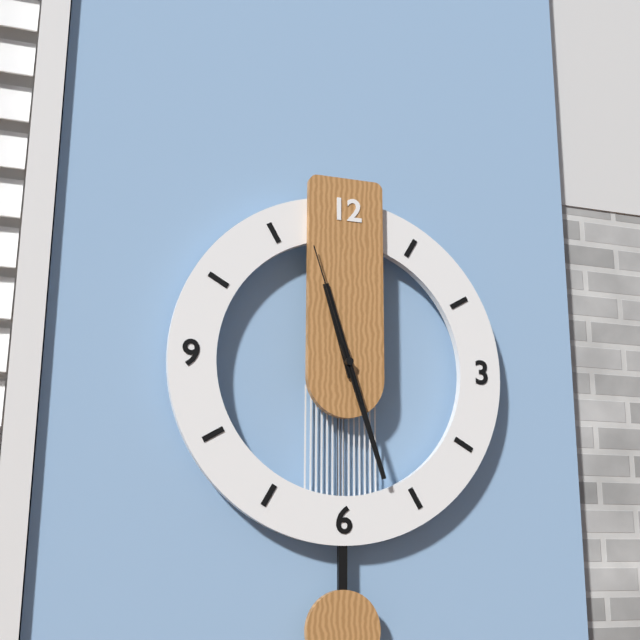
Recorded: {"hour": 11, "minute": 27, "second": 57}
